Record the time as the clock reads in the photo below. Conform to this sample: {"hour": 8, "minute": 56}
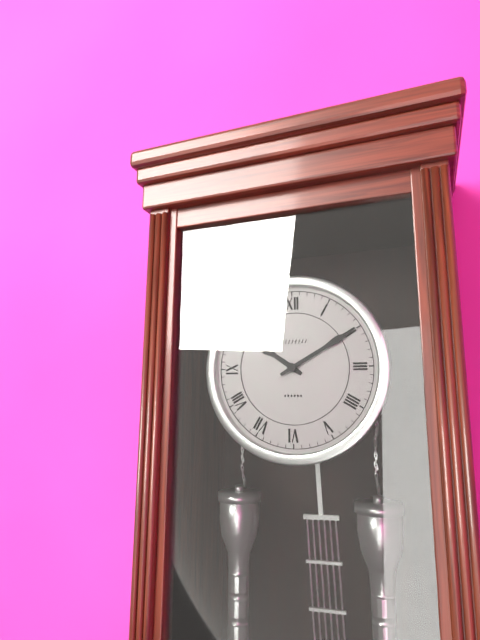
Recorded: {"hour": 10, "minute": 10}
